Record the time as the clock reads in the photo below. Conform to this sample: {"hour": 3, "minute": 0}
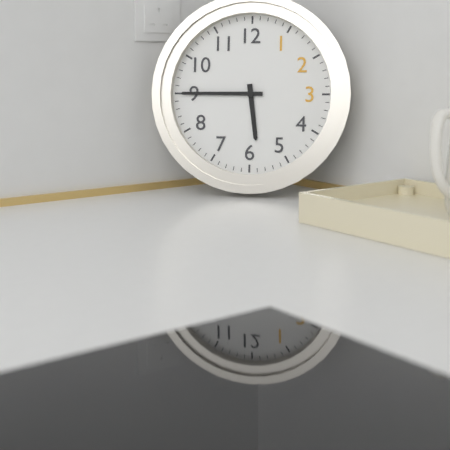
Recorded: {"hour": 5, "minute": 45}
